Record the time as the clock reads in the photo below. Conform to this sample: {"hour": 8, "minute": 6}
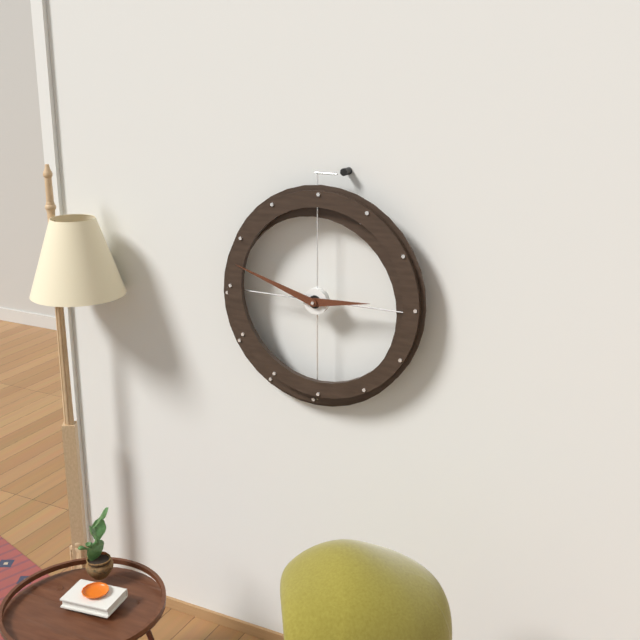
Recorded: {"hour": 2, "minute": 48}
